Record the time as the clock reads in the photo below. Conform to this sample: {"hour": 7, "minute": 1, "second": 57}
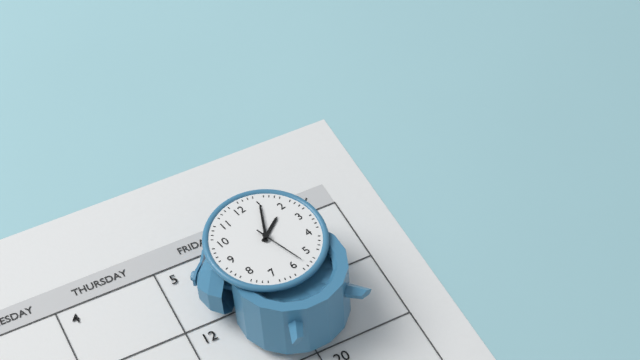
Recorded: {"hour": 2, "minute": 5, "second": 28}
